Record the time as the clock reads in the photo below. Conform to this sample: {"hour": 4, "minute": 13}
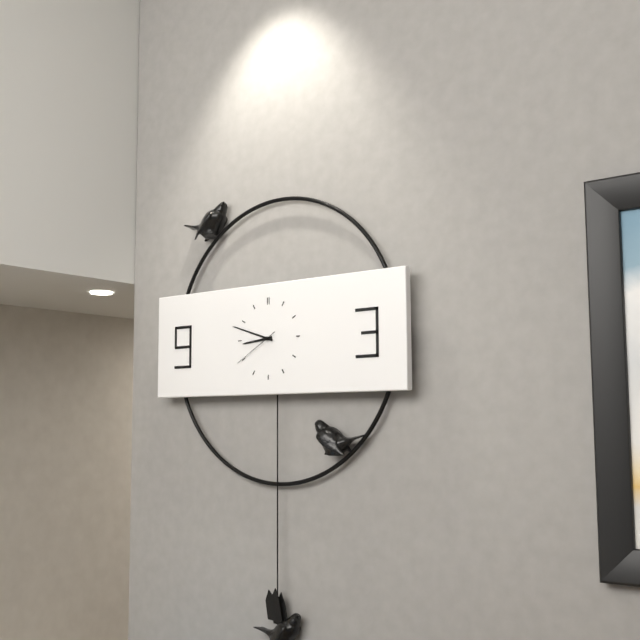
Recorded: {"hour": 8, "minute": 48}
